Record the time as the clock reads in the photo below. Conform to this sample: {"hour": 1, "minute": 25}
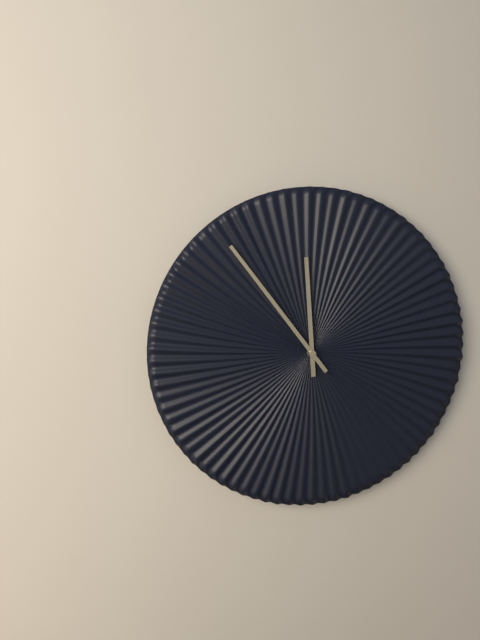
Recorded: {"hour": 11, "minute": 54}
